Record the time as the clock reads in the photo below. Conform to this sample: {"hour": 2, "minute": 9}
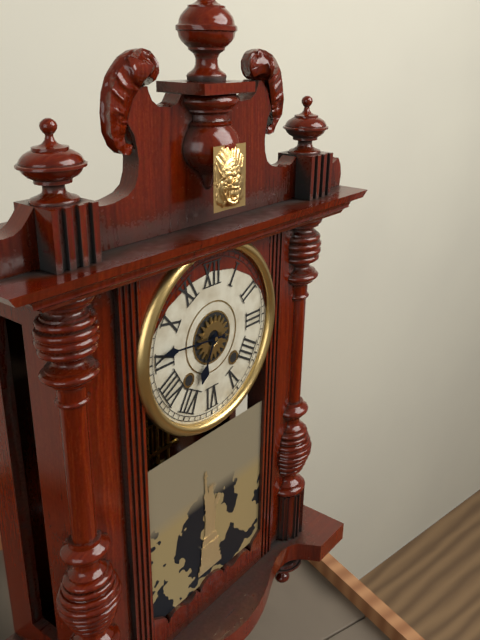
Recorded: {"hour": 6, "minute": 46}
